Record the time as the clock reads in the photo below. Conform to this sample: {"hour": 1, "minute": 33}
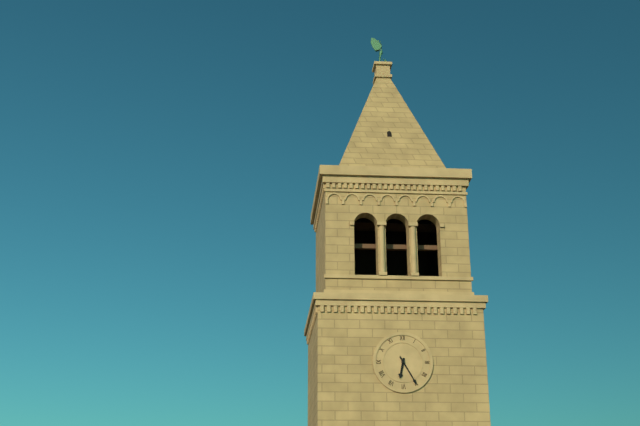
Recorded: {"hour": 6, "minute": 25}
